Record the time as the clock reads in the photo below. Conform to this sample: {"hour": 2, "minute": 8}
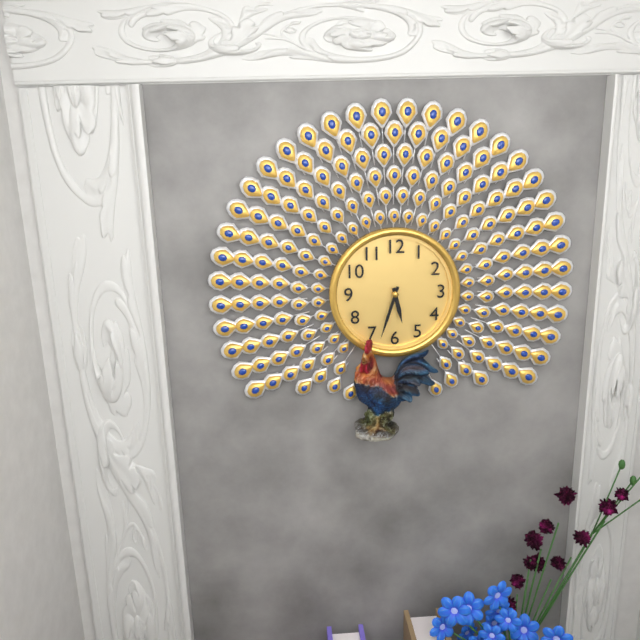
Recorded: {"hour": 5, "minute": 33}
